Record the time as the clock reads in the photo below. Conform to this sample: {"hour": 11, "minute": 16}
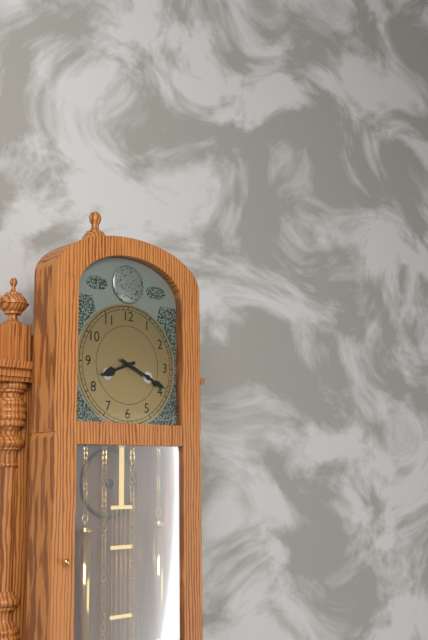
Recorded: {"hour": 8, "minute": 19}
